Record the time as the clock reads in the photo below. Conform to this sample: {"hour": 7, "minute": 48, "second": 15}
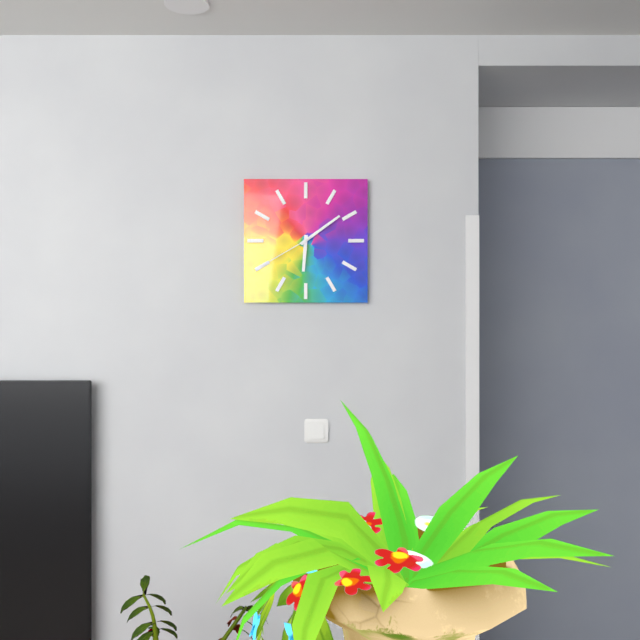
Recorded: {"hour": 6, "minute": 9, "second": 40}
